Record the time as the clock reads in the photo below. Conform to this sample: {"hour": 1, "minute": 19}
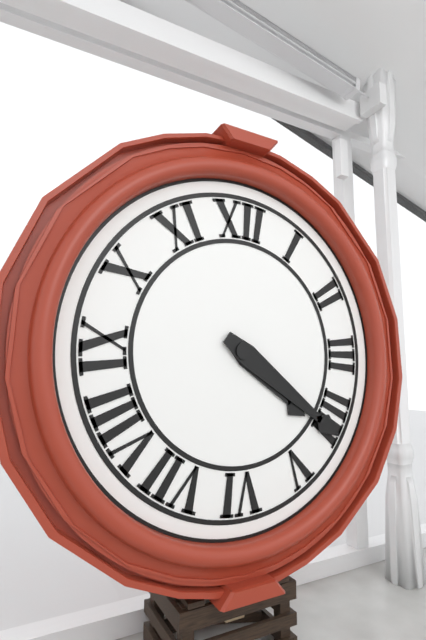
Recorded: {"hour": 4, "minute": 21}
